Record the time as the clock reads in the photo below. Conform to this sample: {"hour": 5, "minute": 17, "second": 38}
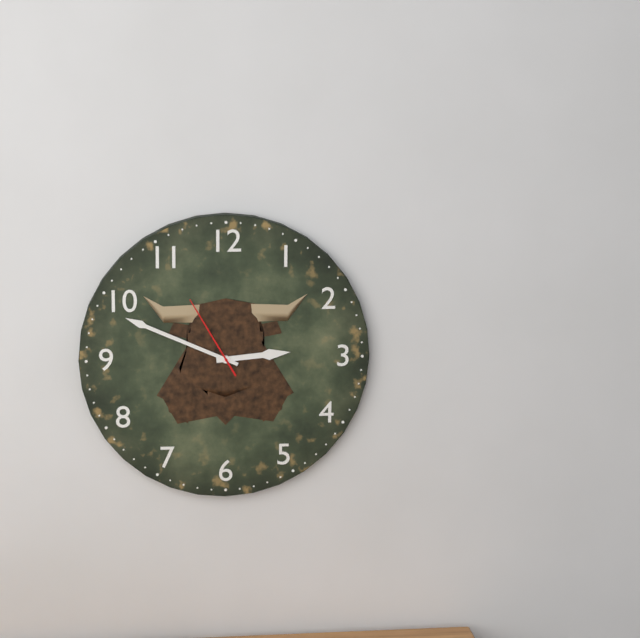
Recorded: {"hour": 2, "minute": 49, "second": 55}
